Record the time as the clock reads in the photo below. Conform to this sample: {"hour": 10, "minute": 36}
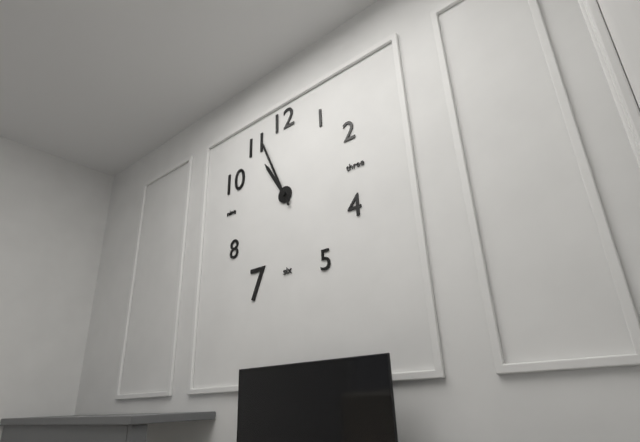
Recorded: {"hour": 10, "minute": 56}
